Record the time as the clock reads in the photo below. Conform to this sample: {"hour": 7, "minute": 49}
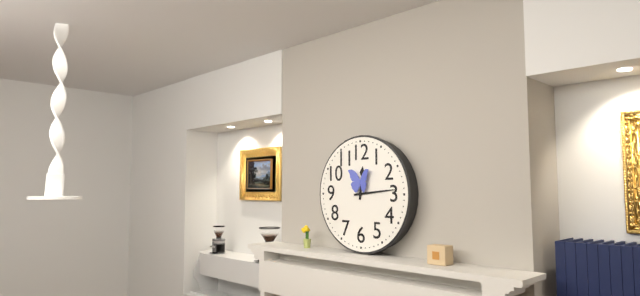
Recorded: {"hour": 12, "minute": 14}
